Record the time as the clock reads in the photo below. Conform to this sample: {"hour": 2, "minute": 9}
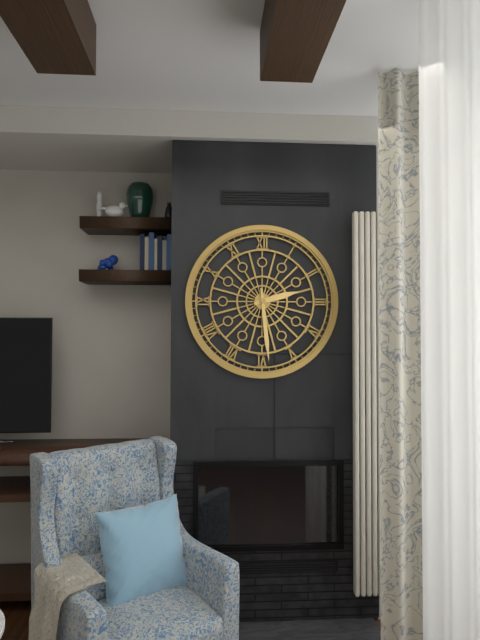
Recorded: {"hour": 2, "minute": 29}
